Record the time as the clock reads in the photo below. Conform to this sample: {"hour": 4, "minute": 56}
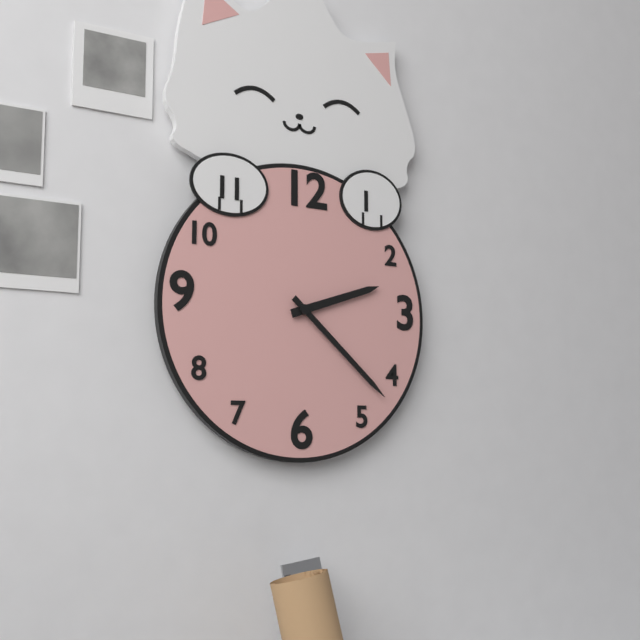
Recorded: {"hour": 2, "minute": 22}
